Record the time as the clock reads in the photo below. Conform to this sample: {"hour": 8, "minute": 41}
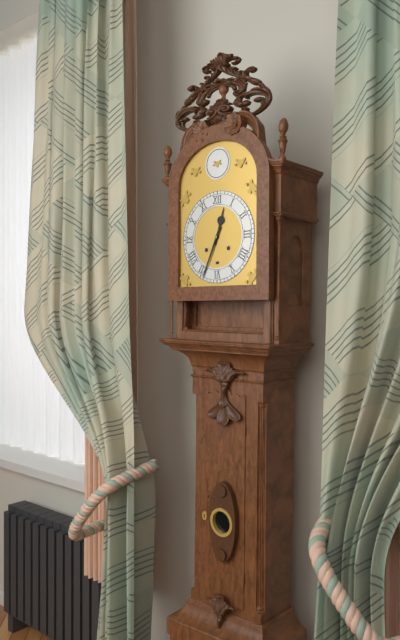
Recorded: {"hour": 12, "minute": 34}
